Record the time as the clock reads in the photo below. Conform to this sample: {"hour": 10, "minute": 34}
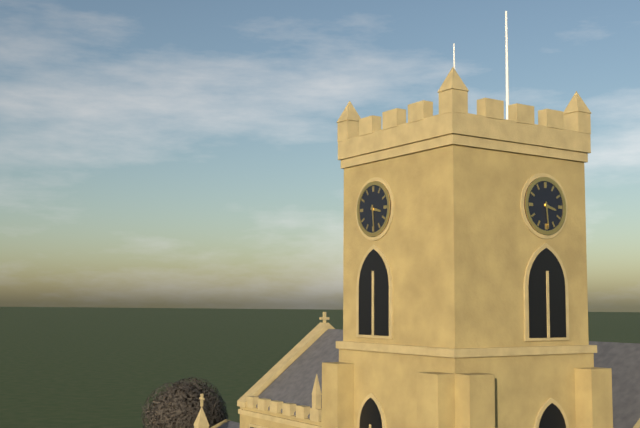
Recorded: {"hour": 3, "minute": 29}
